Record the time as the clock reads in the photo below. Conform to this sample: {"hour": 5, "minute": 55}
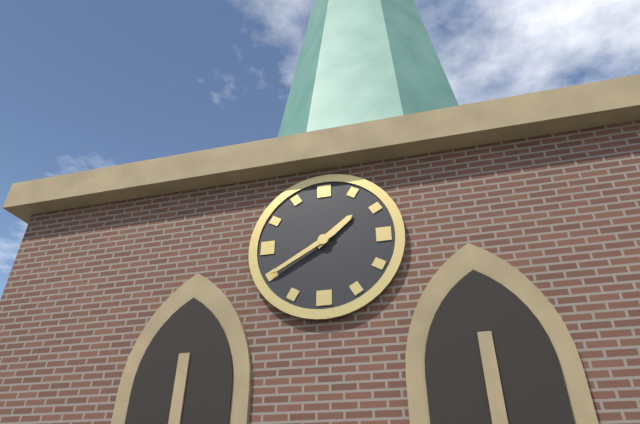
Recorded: {"hour": 1, "minute": 40}
